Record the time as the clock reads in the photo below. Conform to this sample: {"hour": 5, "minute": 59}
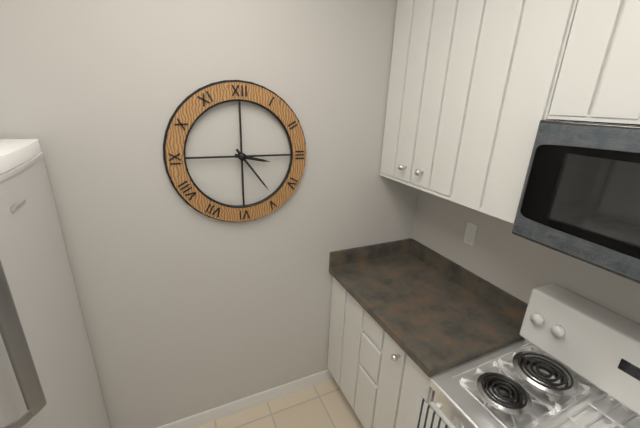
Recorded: {"hour": 3, "minute": 24}
